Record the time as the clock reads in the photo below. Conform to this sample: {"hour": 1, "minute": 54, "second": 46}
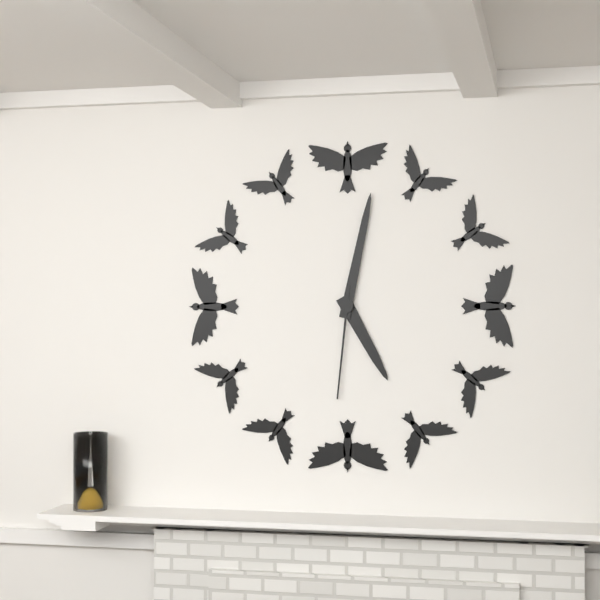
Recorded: {"hour": 5, "minute": 2, "second": 31}
